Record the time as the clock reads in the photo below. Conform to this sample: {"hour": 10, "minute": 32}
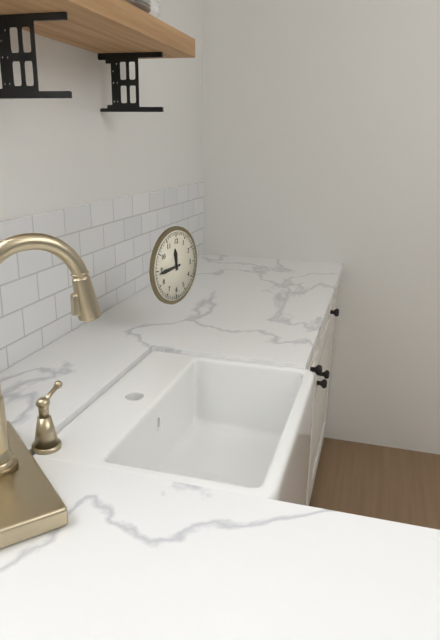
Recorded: {"hour": 11, "minute": 44}
